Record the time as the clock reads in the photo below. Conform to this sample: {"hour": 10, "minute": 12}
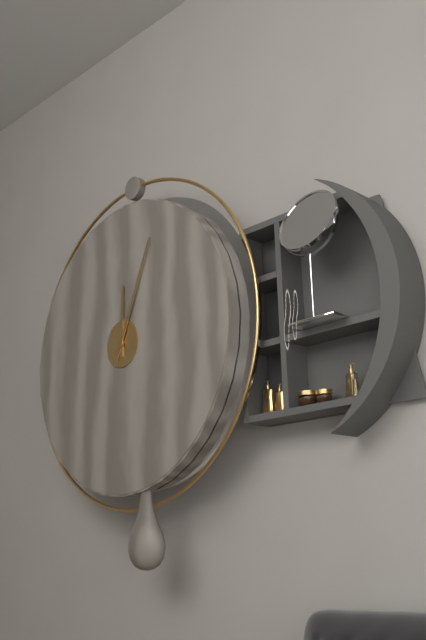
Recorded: {"hour": 12, "minute": 4}
